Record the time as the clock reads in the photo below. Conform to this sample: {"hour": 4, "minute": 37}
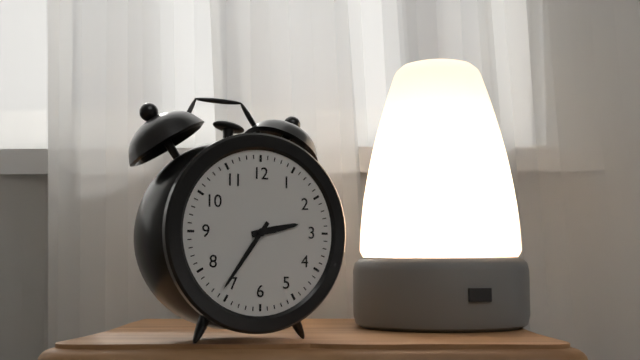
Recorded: {"hour": 2, "minute": 36}
